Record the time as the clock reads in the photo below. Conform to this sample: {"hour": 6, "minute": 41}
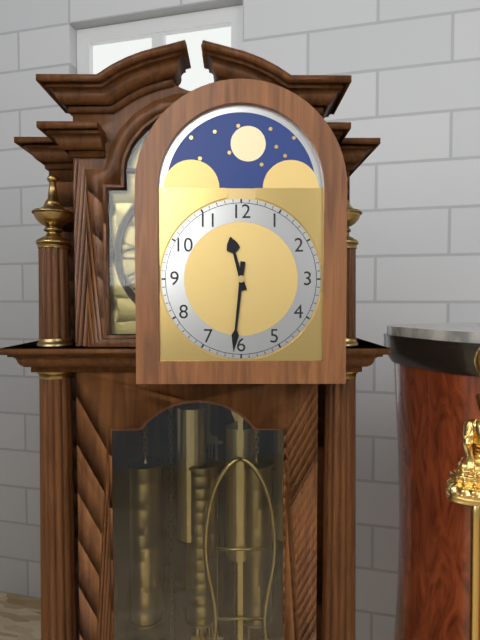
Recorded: {"hour": 11, "minute": 31}
